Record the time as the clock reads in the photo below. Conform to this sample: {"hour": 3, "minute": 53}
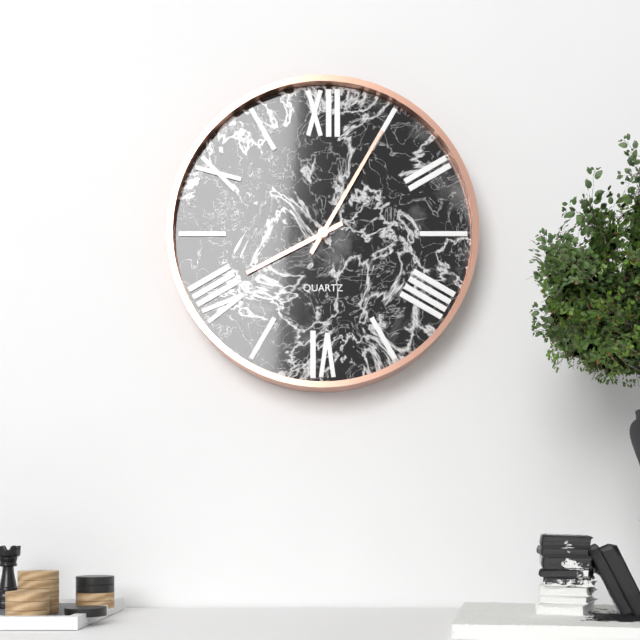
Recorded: {"hour": 8, "minute": 5}
